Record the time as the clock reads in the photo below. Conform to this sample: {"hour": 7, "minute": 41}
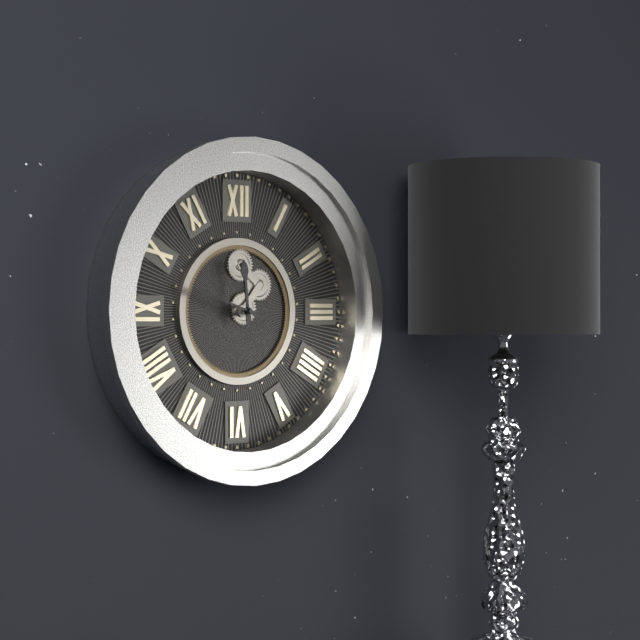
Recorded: {"hour": 11, "minute": 48}
